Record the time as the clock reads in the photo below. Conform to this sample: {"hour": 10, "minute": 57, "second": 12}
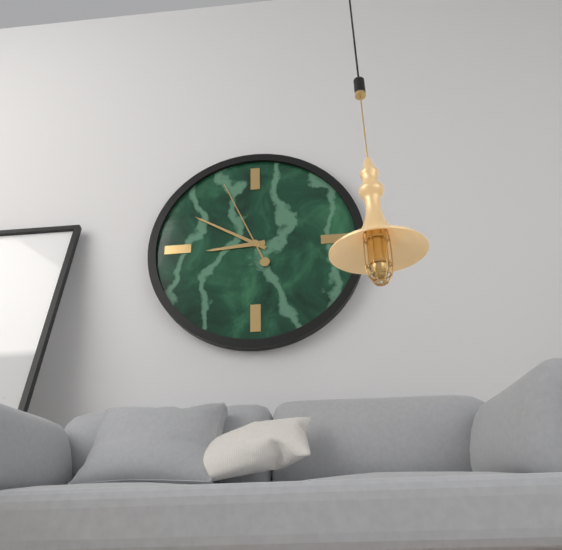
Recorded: {"hour": 8, "minute": 50, "second": 56}
